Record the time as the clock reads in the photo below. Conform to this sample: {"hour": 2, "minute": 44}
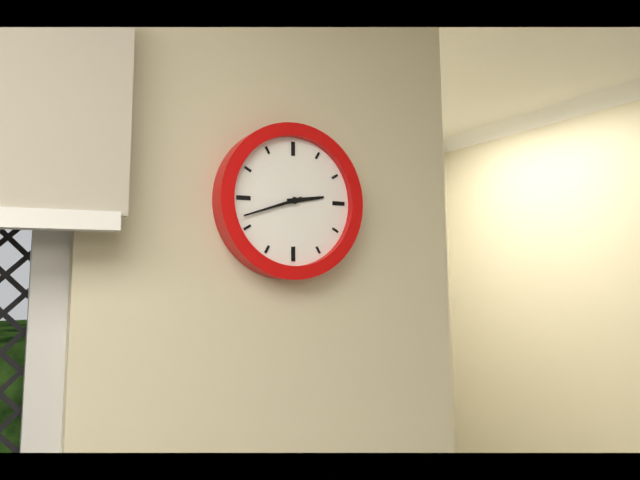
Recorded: {"hour": 2, "minute": 42}
